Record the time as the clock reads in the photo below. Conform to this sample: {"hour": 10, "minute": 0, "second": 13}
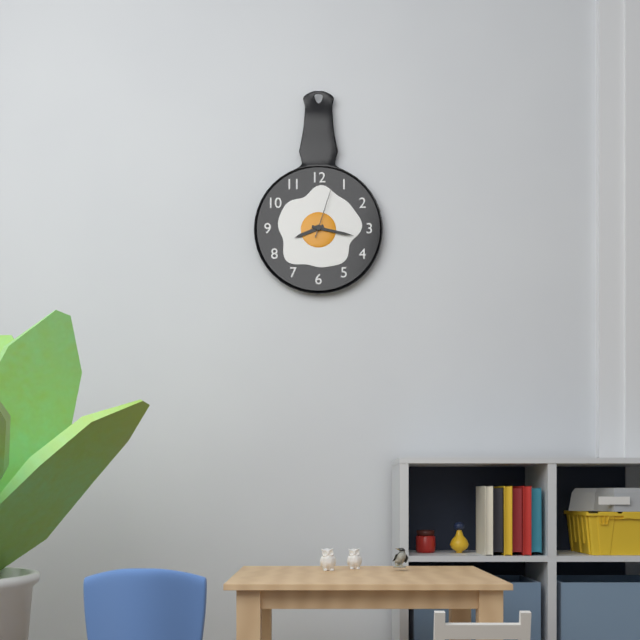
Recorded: {"hour": 8, "minute": 17, "second": 3}
